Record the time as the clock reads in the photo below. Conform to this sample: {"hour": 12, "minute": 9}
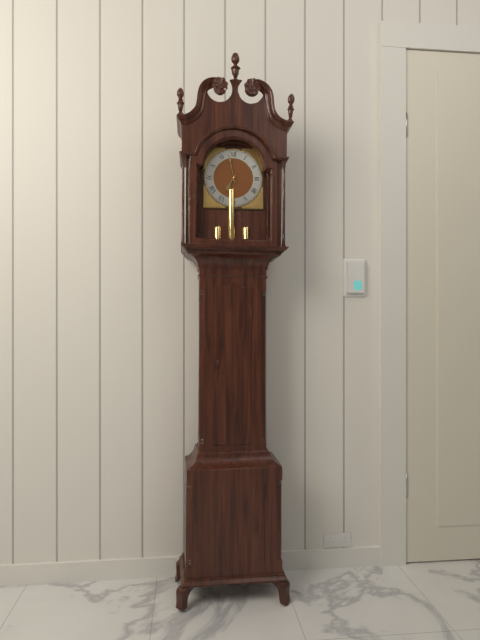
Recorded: {"hour": 6, "minute": 58}
